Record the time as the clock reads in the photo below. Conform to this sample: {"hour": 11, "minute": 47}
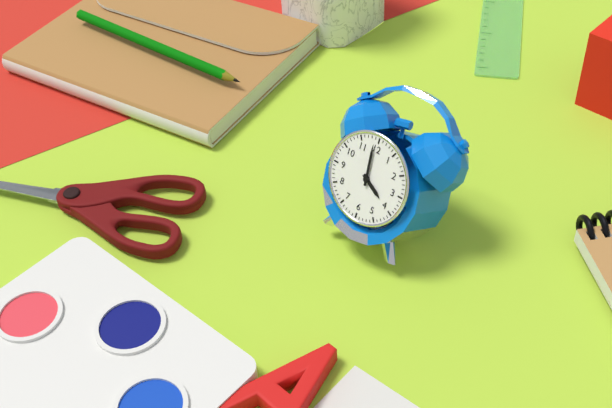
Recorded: {"hour": 3, "minute": 59}
